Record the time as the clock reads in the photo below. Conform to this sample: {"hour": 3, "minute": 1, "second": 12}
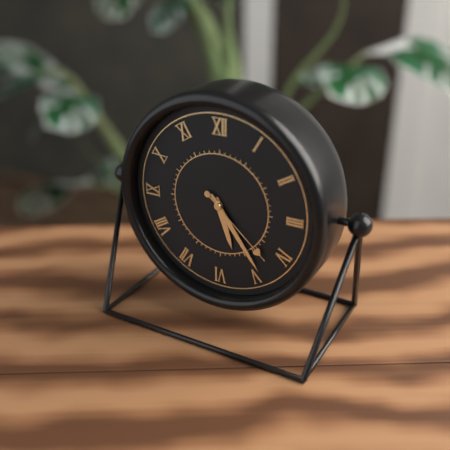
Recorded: {"hour": 5, "minute": 24, "second": 22}
